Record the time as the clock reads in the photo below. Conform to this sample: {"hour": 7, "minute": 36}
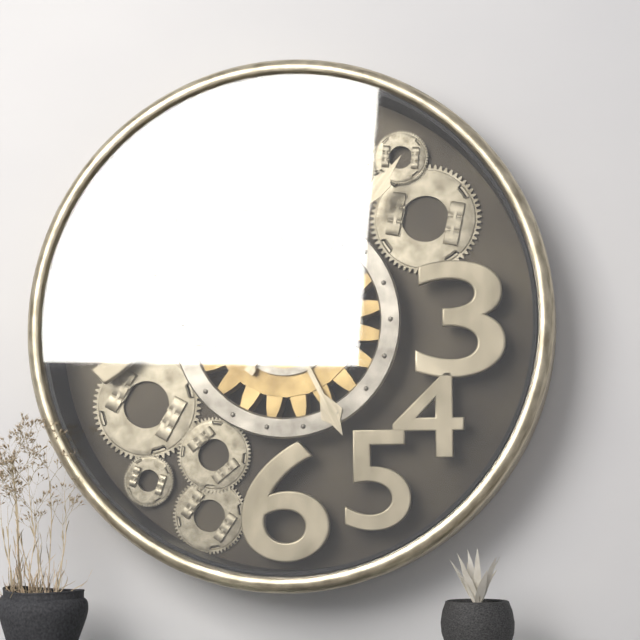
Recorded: {"hour": 5, "minute": 6}
